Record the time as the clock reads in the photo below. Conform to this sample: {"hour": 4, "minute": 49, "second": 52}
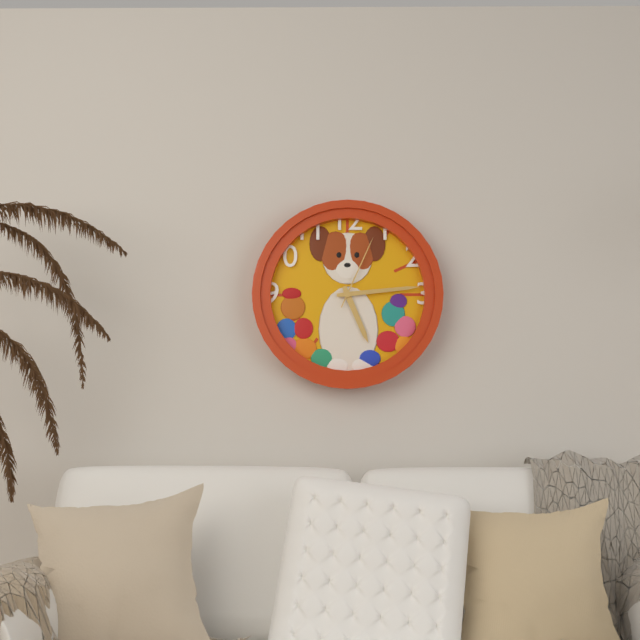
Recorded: {"hour": 5, "minute": 14, "second": 4}
